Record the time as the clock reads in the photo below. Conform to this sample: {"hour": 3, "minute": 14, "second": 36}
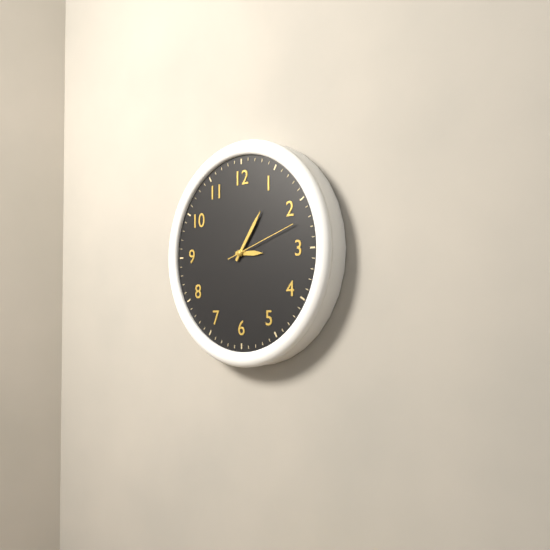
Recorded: {"hour": 3, "minute": 6, "second": 12}
